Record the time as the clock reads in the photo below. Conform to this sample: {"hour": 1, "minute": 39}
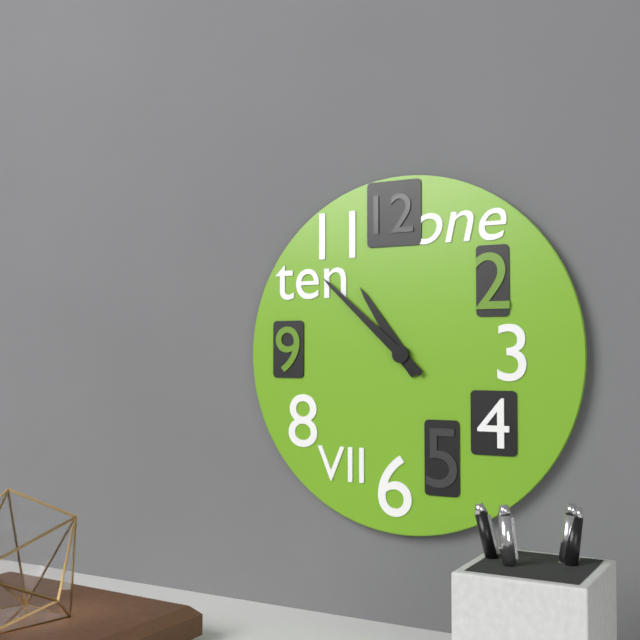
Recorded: {"hour": 10, "minute": 52}
